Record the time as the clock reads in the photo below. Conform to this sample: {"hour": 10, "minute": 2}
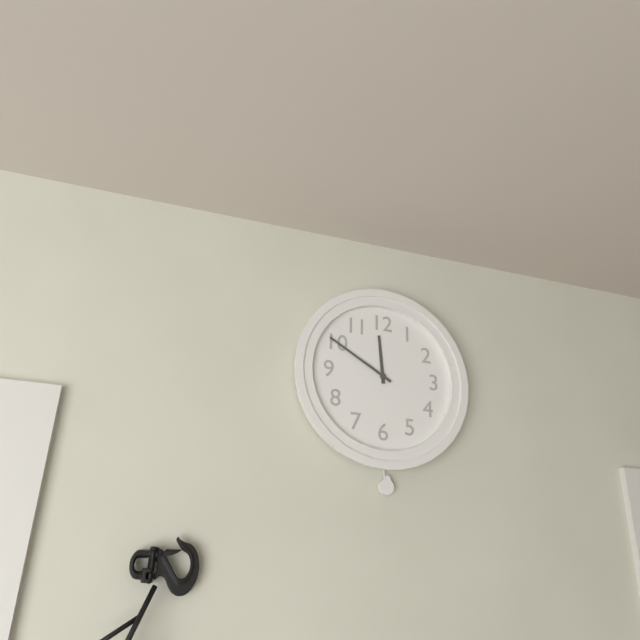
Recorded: {"hour": 11, "minute": 50}
